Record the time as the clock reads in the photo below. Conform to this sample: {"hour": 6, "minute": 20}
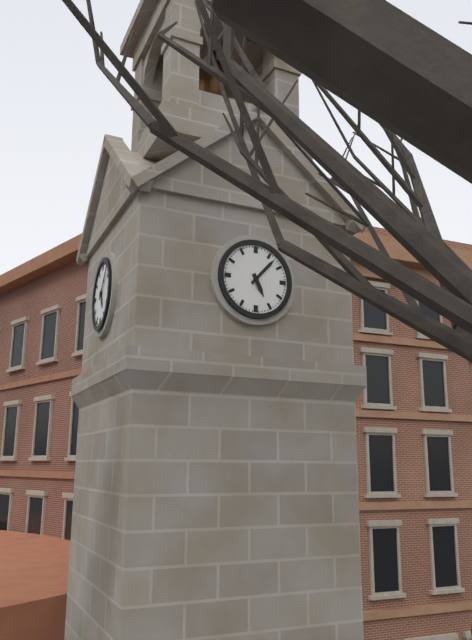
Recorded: {"hour": 5, "minute": 7}
